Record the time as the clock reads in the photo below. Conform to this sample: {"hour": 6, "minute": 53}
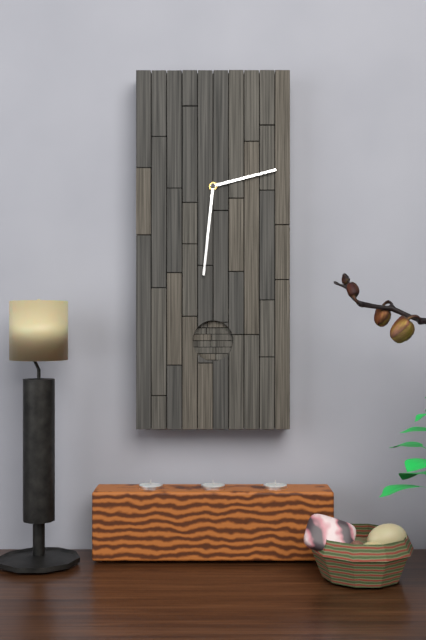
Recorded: {"hour": 2, "minute": 31}
